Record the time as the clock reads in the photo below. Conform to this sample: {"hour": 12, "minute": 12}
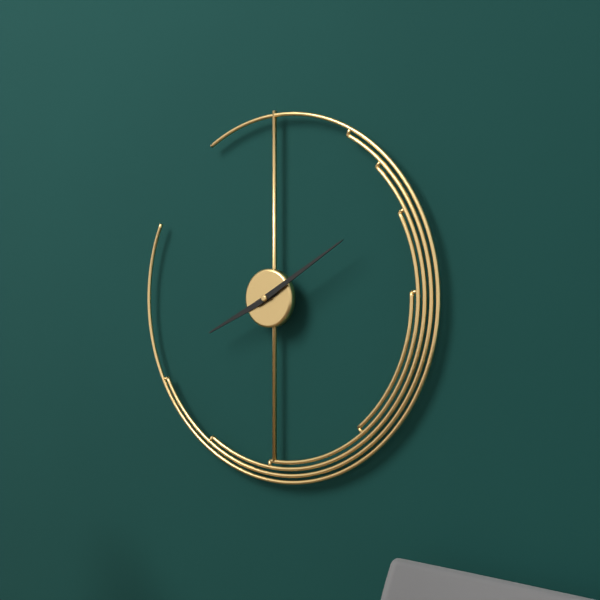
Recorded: {"hour": 8, "minute": 10}
